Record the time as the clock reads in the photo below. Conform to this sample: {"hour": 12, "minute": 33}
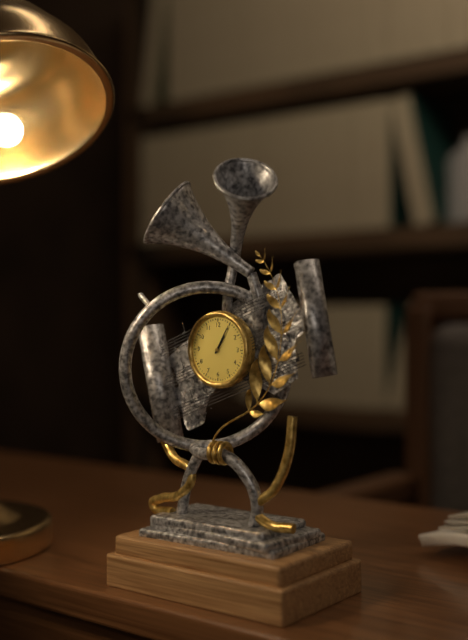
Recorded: {"hour": 1, "minute": 5}
